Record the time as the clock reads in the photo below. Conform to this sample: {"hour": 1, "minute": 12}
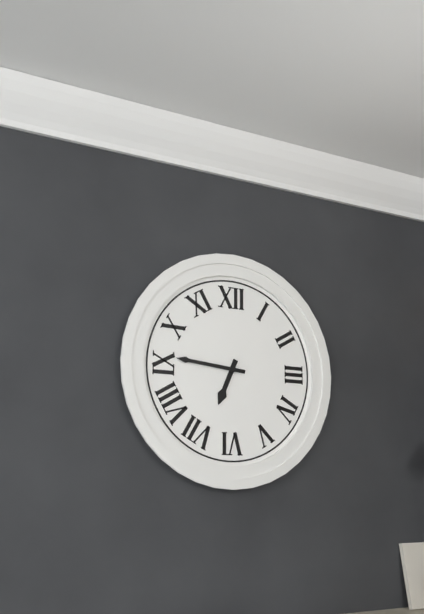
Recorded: {"hour": 6, "minute": 46}
